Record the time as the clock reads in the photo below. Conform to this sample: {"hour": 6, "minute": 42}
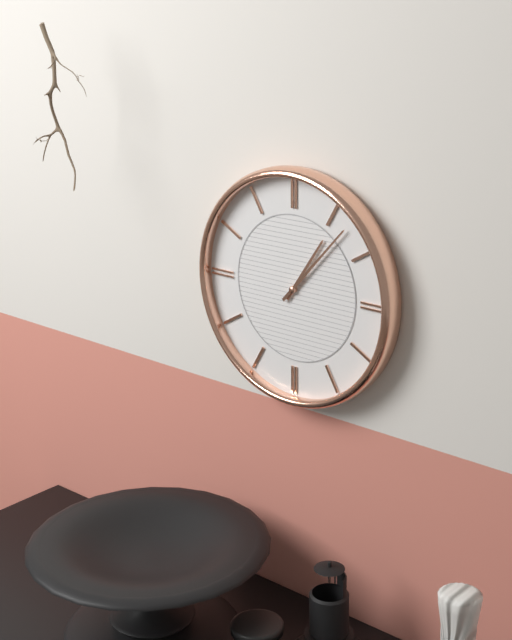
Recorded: {"hour": 1, "minute": 7}
